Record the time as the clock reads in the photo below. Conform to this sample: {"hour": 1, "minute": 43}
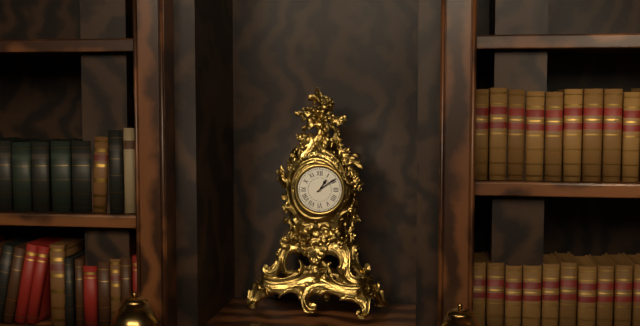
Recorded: {"hour": 1, "minute": 9}
